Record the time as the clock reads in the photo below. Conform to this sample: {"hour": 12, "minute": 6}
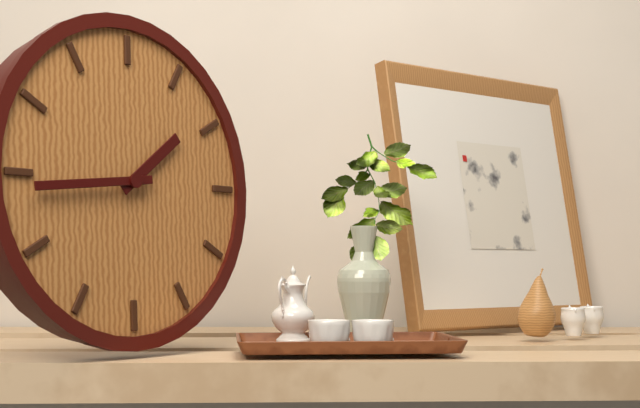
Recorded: {"hour": 1, "minute": 44}
